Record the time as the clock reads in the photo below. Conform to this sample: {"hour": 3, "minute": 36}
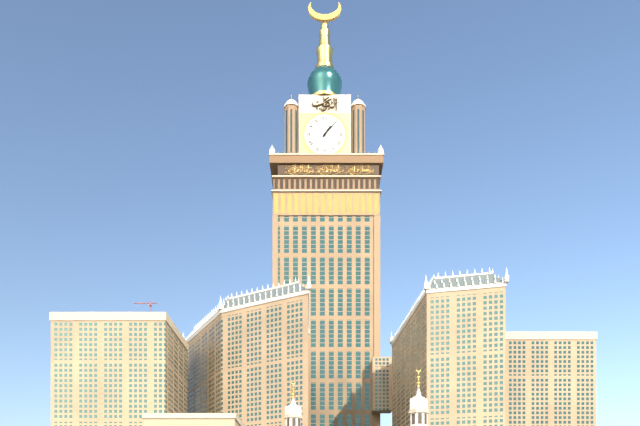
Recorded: {"hour": 1, "minute": 7}
